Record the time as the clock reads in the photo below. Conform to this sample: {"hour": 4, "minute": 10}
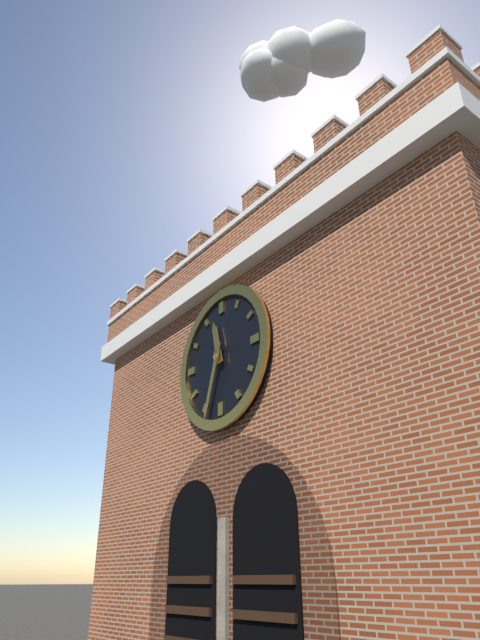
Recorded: {"hour": 11, "minute": 33}
